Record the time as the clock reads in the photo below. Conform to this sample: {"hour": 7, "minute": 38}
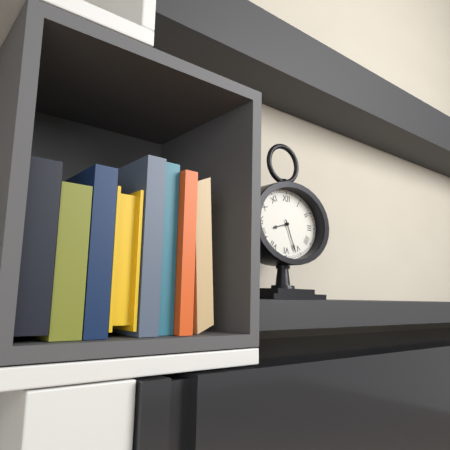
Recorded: {"hour": 8, "minute": 26}
